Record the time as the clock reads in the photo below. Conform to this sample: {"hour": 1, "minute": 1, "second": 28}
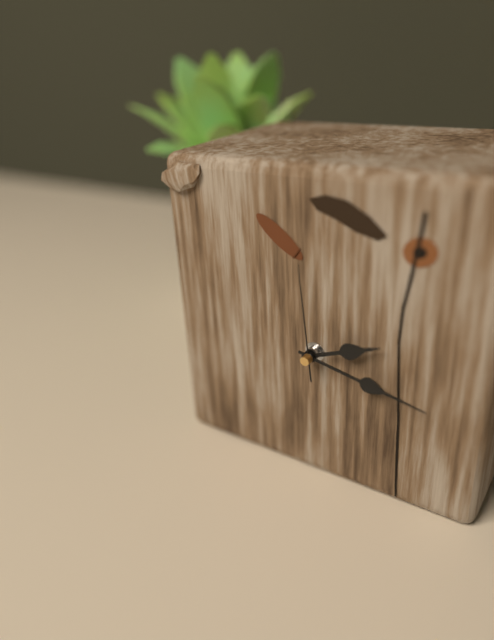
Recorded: {"hour": 2, "minute": 17, "second": 59}
